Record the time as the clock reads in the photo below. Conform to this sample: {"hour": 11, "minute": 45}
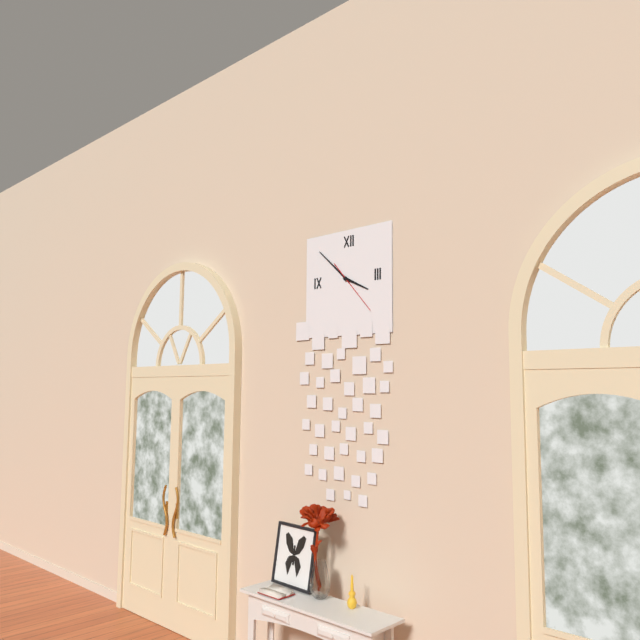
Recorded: {"hour": 3, "minute": 52}
